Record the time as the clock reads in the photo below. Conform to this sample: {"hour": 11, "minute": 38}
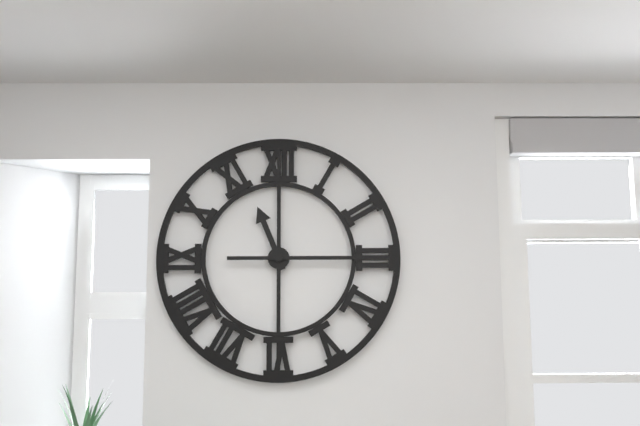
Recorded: {"hour": 11, "minute": 15}
